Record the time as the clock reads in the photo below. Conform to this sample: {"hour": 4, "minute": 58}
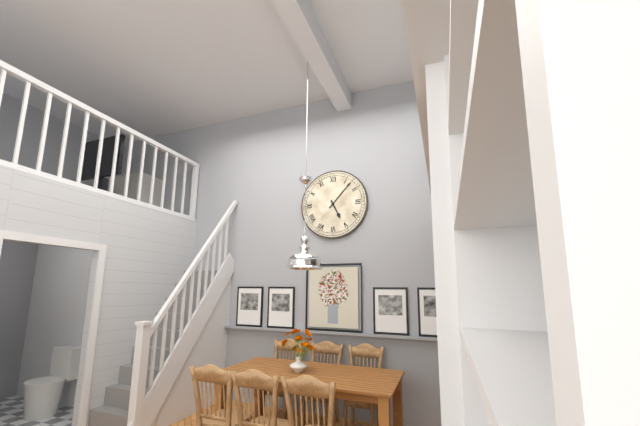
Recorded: {"hour": 5, "minute": 7}
